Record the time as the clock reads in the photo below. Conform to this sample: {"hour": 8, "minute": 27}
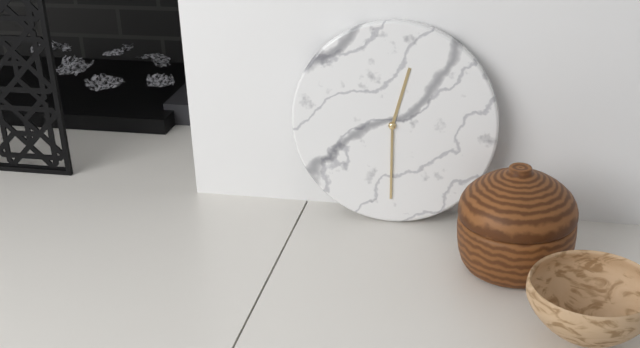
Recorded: {"hour": 12, "minute": 30}
